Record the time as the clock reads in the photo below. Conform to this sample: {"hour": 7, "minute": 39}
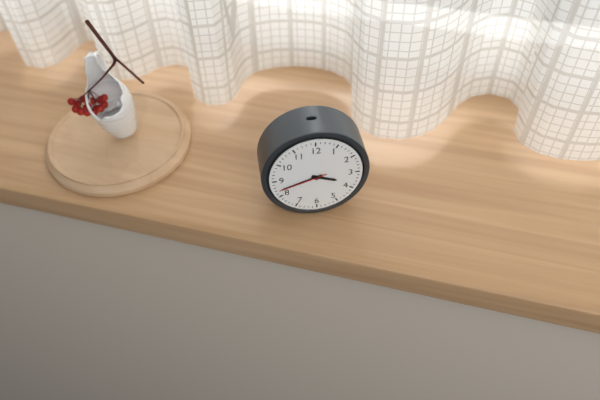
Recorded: {"hour": 3, "minute": 42}
